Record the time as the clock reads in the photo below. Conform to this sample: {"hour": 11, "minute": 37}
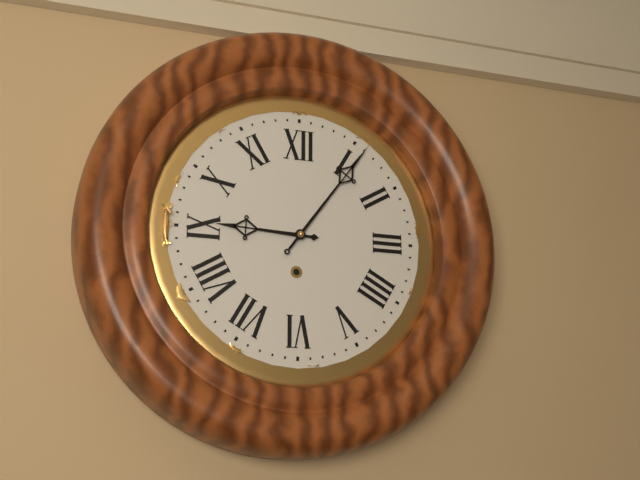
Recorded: {"hour": 9, "minute": 6}
